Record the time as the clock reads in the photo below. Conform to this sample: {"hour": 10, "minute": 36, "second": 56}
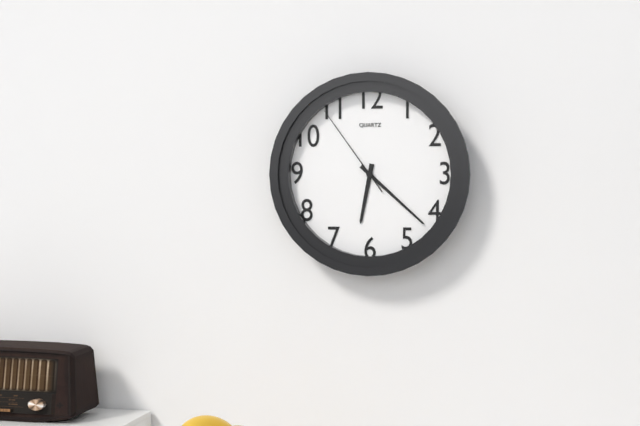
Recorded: {"hour": 6, "minute": 22, "second": 54}
